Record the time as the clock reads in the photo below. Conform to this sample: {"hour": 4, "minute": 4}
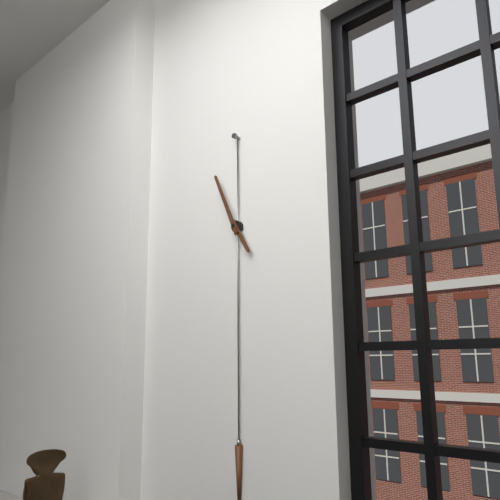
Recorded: {"hour": 4, "minute": 56}
